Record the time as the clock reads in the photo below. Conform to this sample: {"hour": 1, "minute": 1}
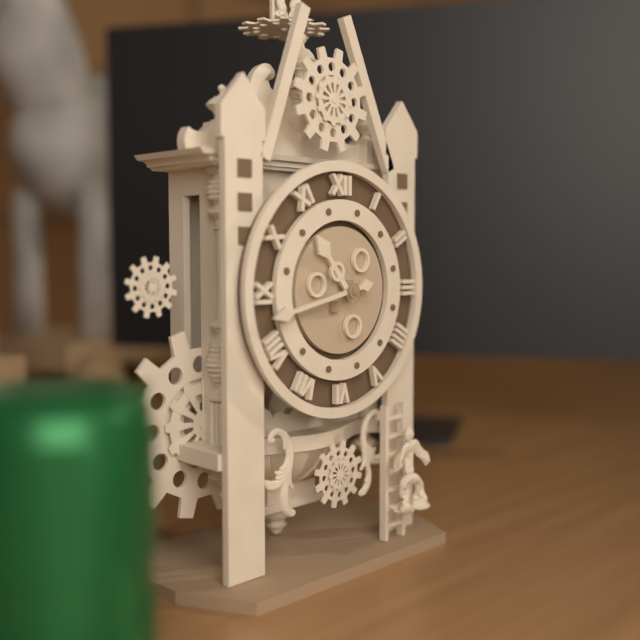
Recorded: {"hour": 10, "minute": 43}
